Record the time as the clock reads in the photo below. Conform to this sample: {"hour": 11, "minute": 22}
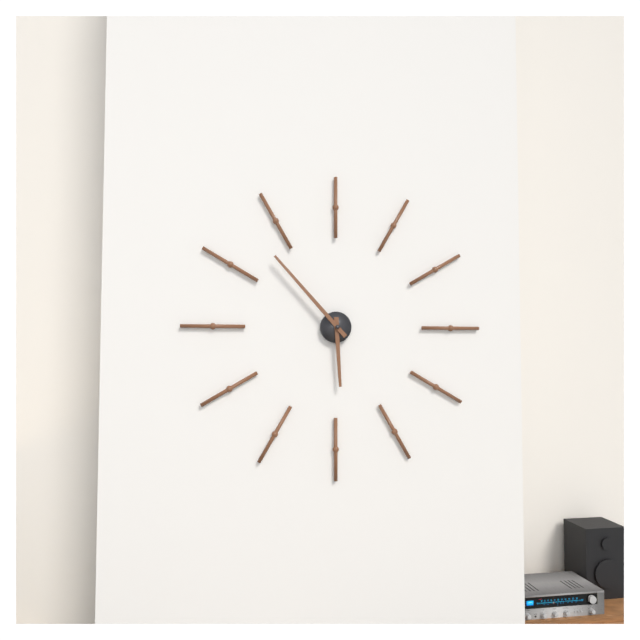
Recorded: {"hour": 5, "minute": 53}
